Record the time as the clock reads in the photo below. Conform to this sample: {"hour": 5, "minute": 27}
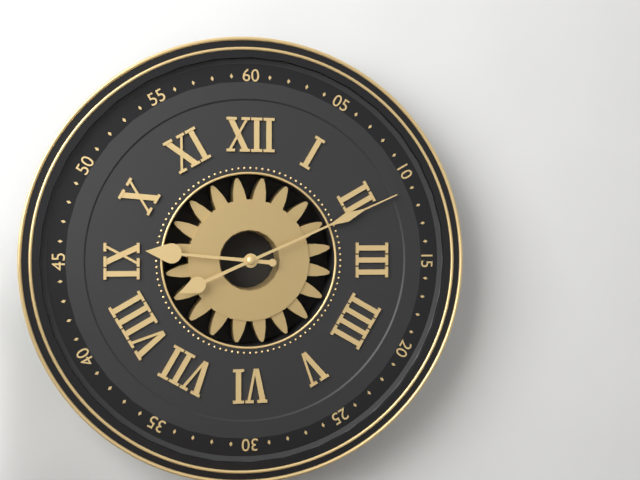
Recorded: {"hour": 9, "minute": 11}
